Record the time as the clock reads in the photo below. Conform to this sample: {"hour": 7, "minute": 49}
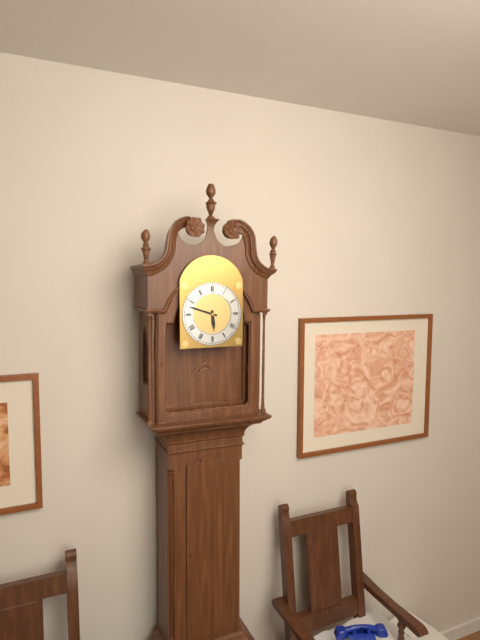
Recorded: {"hour": 5, "minute": 48}
